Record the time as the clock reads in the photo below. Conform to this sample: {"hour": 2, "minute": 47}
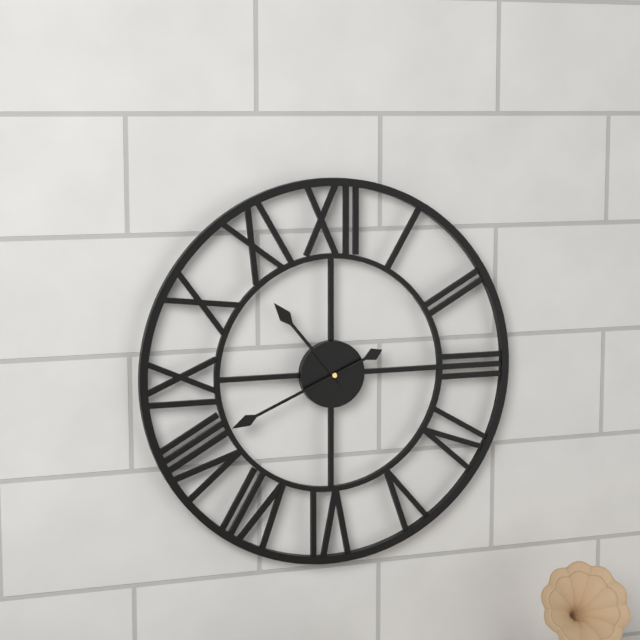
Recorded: {"hour": 10, "minute": 41}
